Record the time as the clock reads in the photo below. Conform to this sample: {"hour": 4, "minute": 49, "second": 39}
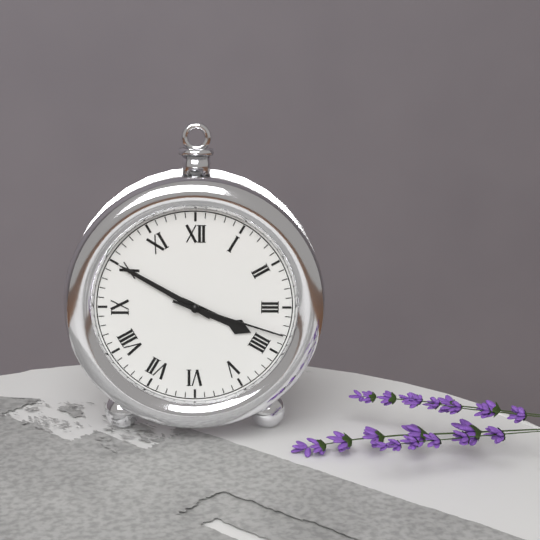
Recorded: {"hour": 3, "minute": 50, "second": 18}
